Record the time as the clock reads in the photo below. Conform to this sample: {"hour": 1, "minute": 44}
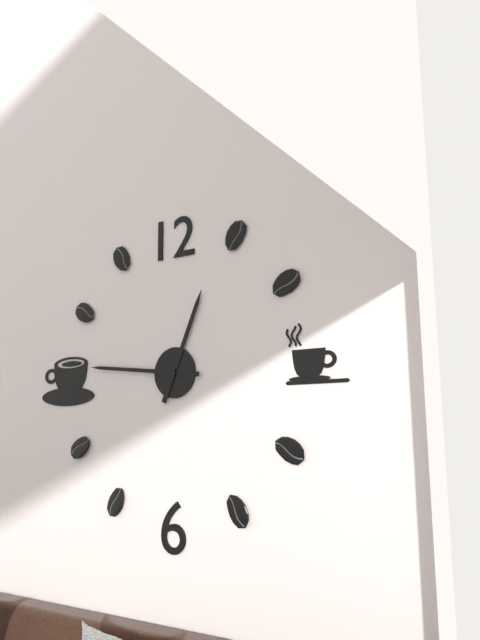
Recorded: {"hour": 12, "minute": 46}
